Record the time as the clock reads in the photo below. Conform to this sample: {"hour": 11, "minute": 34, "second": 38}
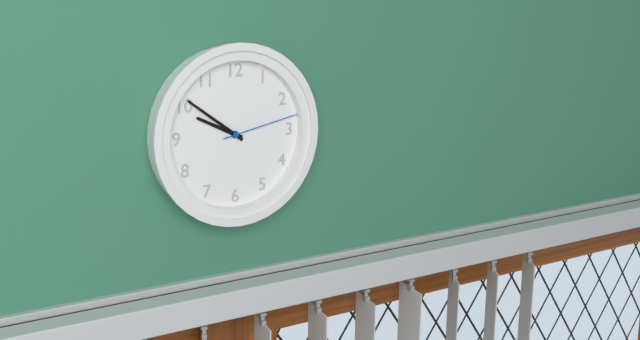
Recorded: {"hour": 9, "minute": 51, "second": 13}
